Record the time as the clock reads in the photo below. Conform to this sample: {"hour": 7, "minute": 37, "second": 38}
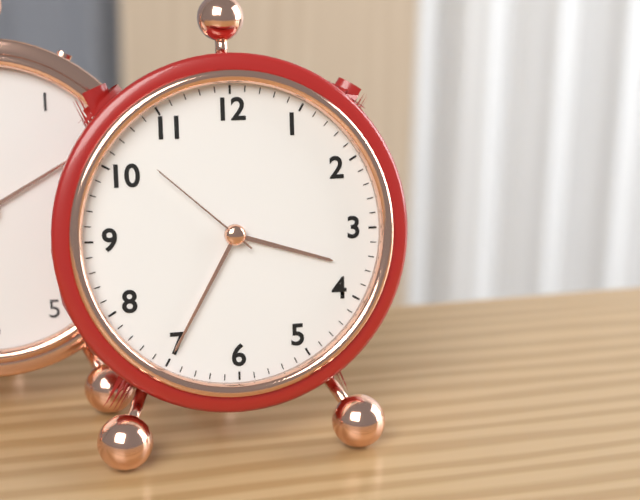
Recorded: {"hour": 3, "minute": 35, "second": 52}
